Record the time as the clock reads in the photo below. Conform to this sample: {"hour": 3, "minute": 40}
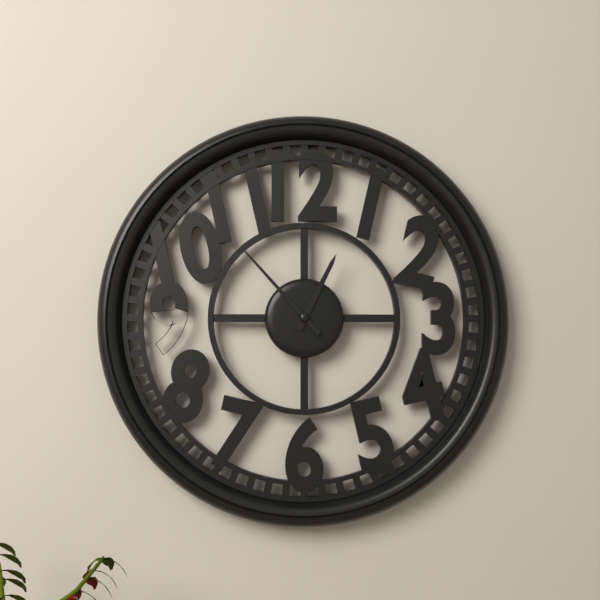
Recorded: {"hour": 12, "minute": 53}
